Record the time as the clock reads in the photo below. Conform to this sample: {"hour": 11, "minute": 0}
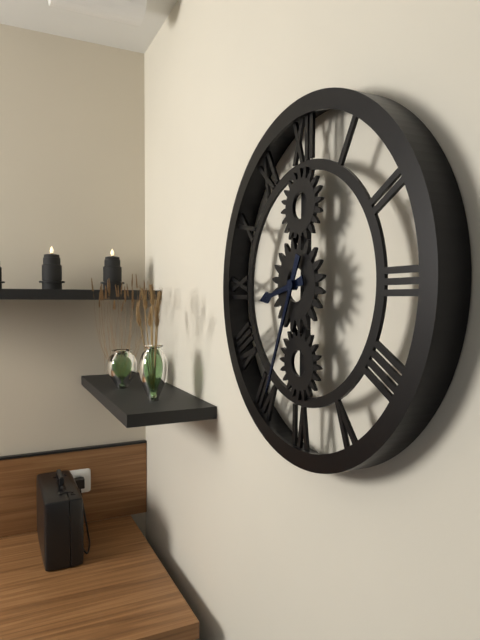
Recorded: {"hour": 8, "minute": 34}
